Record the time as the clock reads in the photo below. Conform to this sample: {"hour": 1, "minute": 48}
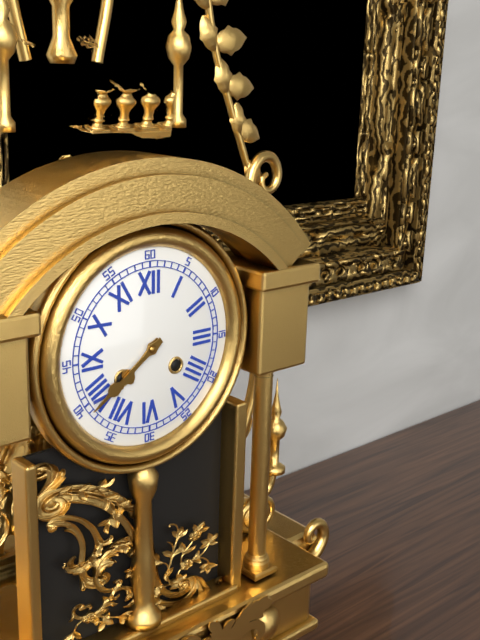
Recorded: {"hour": 7, "minute": 39}
